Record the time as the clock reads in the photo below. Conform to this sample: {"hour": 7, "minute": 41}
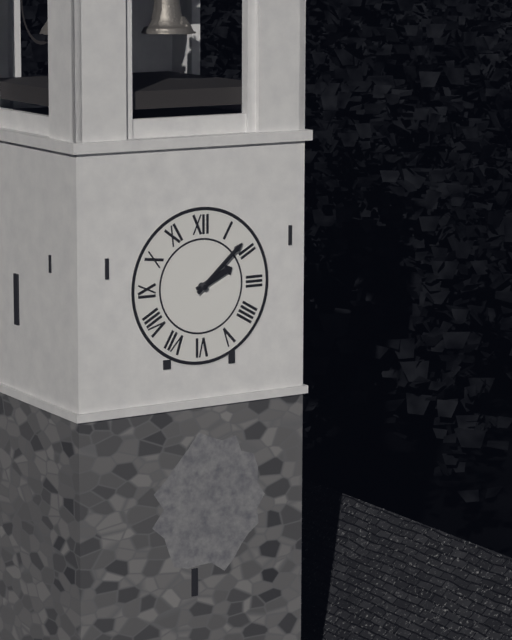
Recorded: {"hour": 2, "minute": 8}
